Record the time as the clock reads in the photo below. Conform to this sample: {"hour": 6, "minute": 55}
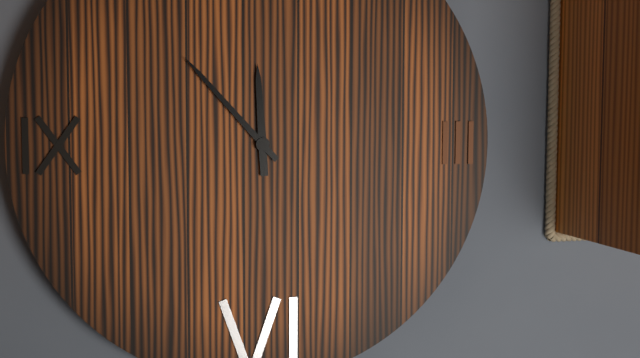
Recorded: {"hour": 11, "minute": 53}
